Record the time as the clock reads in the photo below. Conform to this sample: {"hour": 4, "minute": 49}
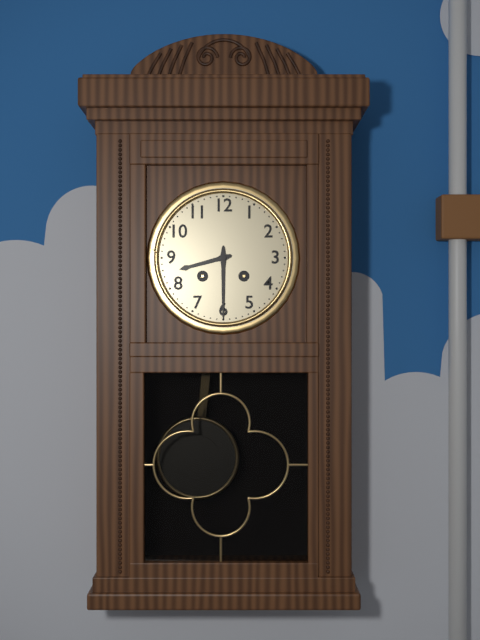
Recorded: {"hour": 8, "minute": 30}
